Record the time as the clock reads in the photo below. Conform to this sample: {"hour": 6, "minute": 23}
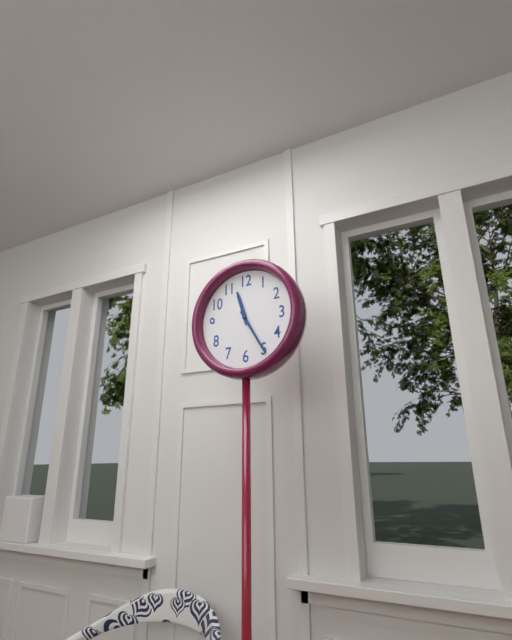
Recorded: {"hour": 11, "minute": 25}
